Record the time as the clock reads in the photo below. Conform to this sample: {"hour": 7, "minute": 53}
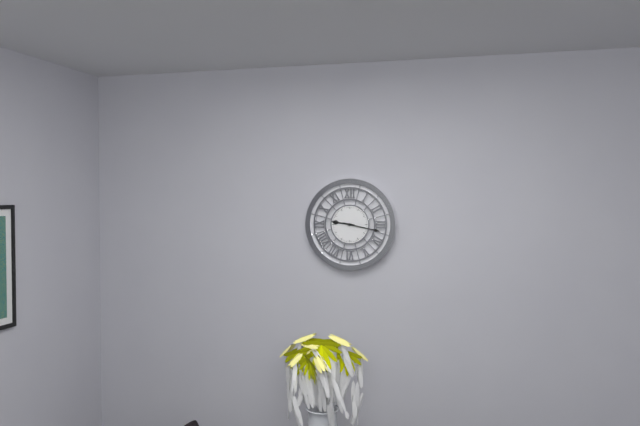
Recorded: {"hour": 9, "minute": 17}
